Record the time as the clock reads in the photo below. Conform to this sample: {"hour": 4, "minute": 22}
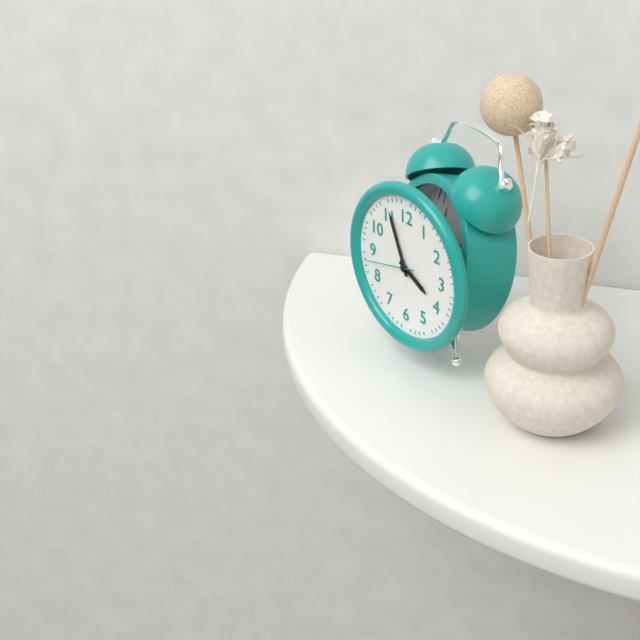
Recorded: {"hour": 3, "minute": 56}
